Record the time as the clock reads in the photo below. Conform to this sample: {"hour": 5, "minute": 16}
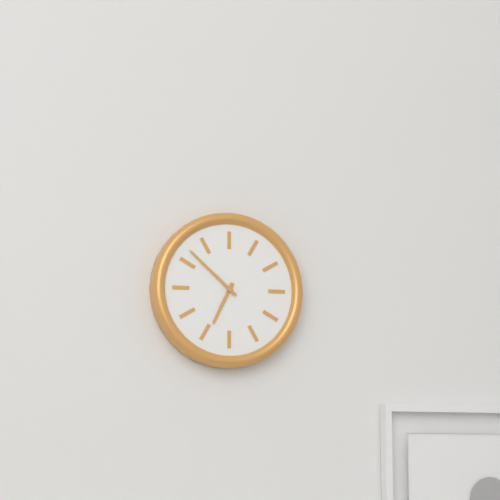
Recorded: {"hour": 6, "minute": 52}
